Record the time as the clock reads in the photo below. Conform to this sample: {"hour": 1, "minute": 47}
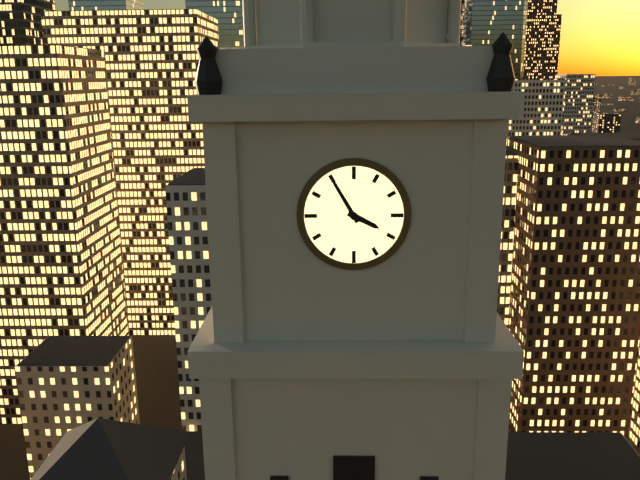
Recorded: {"hour": 3, "minute": 55}
